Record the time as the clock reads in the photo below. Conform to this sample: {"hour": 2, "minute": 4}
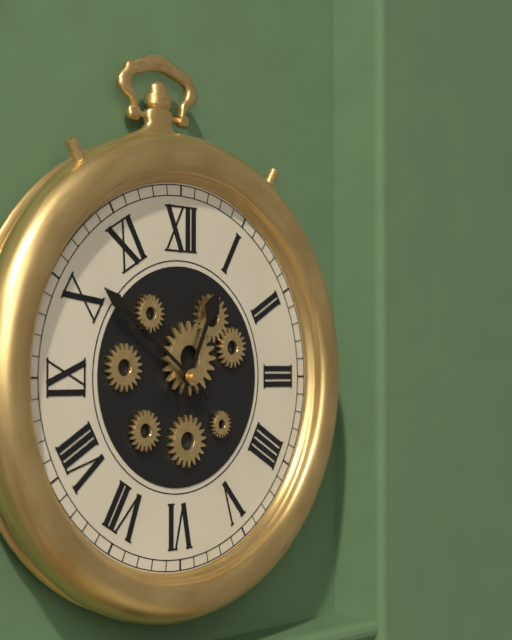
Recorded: {"hour": 12, "minute": 51}
